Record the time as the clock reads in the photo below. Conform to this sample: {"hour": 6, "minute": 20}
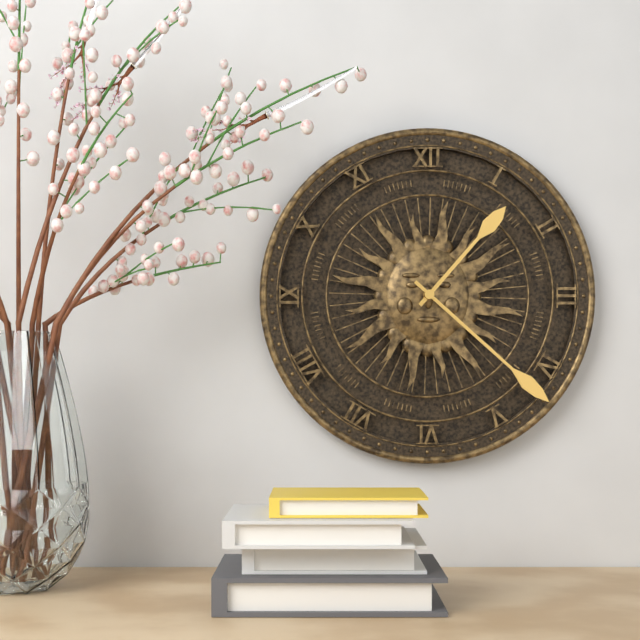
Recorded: {"hour": 1, "minute": 22}
